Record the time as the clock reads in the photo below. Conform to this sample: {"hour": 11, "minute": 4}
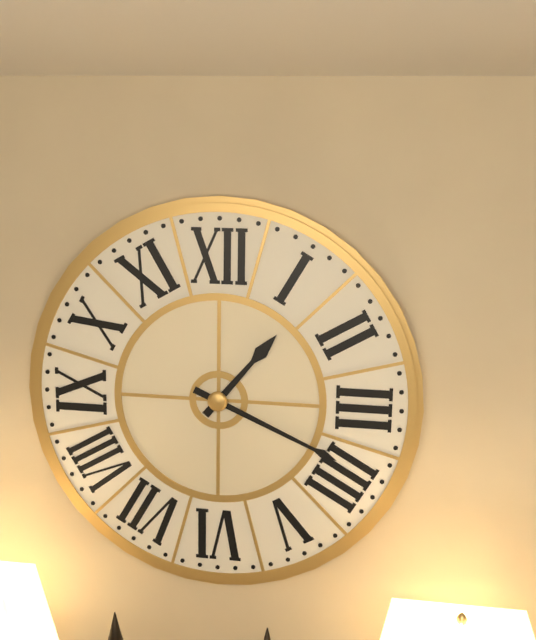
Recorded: {"hour": 1, "minute": 19}
